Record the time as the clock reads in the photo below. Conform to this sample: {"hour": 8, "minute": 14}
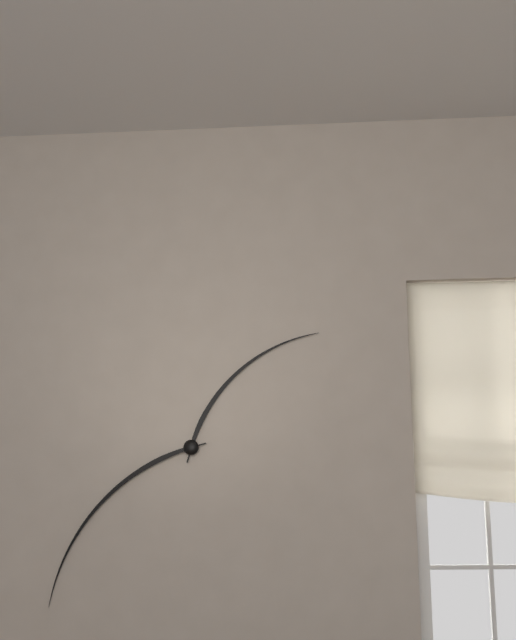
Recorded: {"hour": 1, "minute": 37}
